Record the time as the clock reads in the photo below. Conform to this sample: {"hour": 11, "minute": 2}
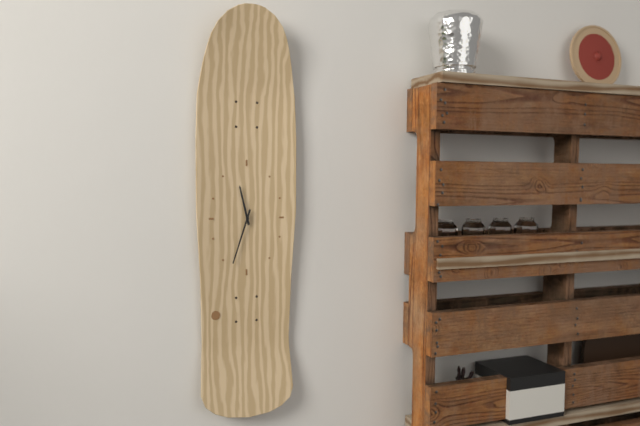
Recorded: {"hour": 11, "minute": 33}
